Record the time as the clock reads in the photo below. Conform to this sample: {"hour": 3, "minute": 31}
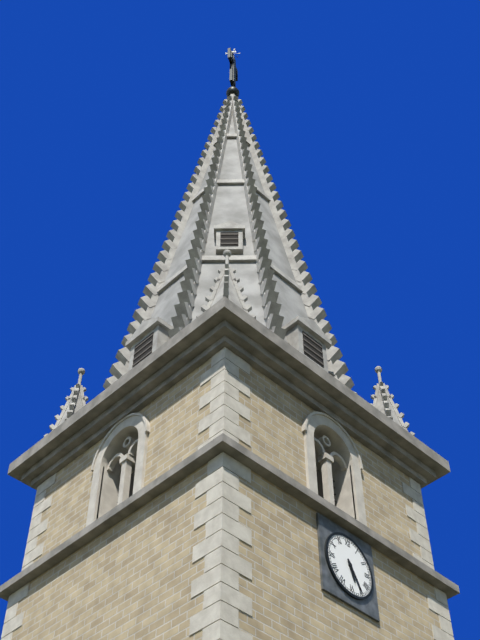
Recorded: {"hour": 5, "minute": 25}
